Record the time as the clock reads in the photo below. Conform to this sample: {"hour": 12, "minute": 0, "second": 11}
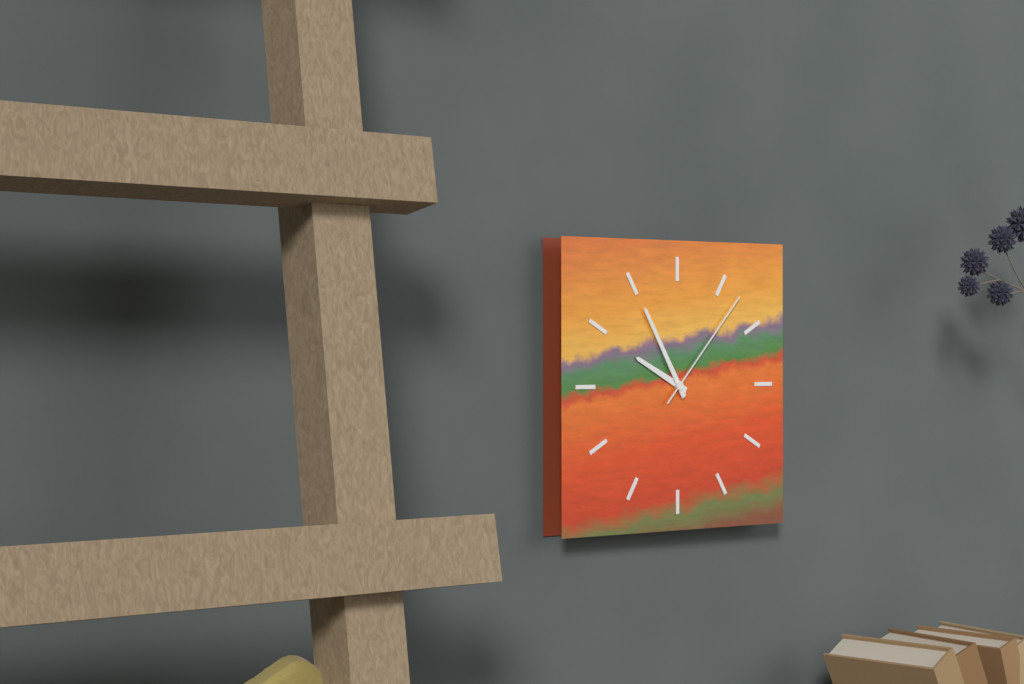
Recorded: {"hour": 9, "minute": 55, "second": 7}
